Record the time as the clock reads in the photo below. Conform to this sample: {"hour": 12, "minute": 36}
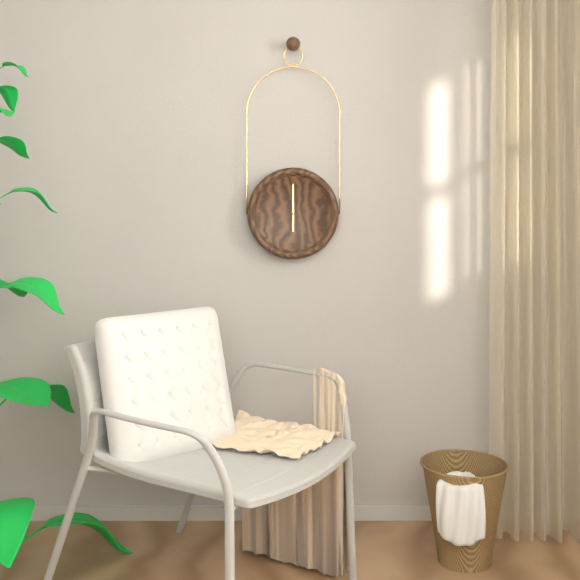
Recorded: {"hour": 6, "minute": 0}
